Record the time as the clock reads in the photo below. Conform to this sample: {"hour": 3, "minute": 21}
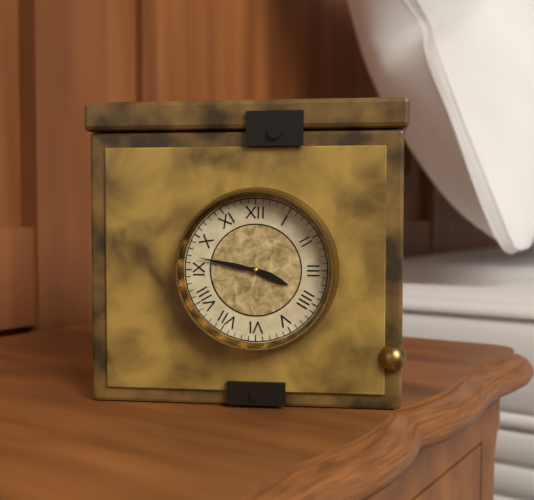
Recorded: {"hour": 3, "minute": 47}
